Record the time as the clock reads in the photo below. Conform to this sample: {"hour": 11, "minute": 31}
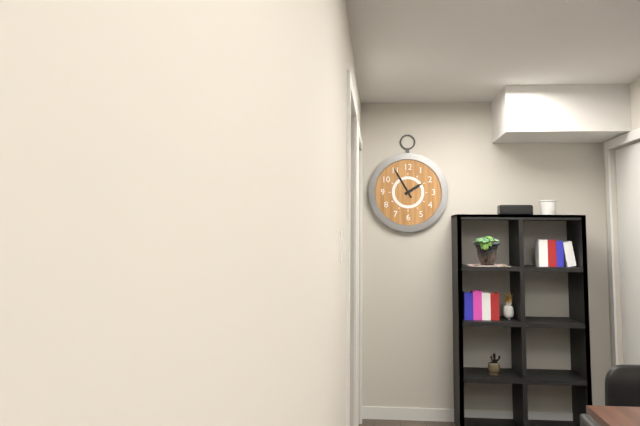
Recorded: {"hour": 1, "minute": 55}
